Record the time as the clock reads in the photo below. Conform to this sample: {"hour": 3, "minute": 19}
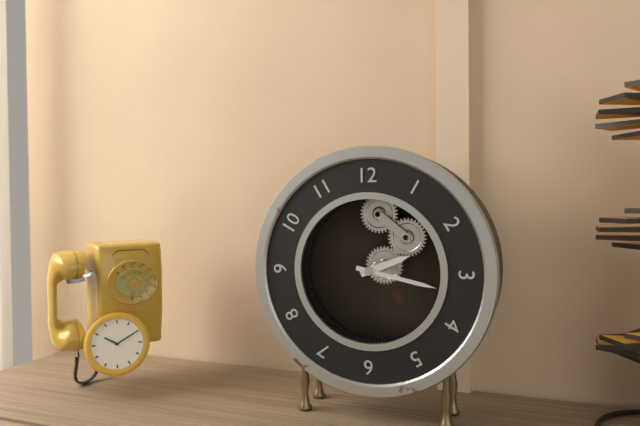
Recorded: {"hour": 2, "minute": 17}
